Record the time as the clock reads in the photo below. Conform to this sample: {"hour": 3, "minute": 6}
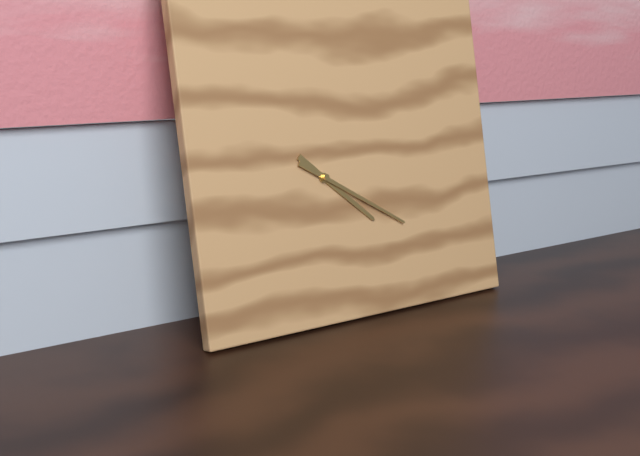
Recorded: {"hour": 4, "minute": 20}
